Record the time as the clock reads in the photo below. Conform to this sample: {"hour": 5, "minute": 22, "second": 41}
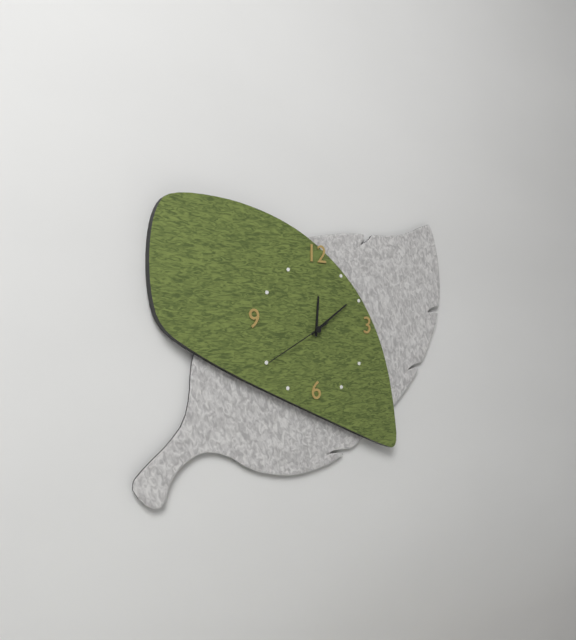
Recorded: {"hour": 12, "minute": 9, "second": 40}
